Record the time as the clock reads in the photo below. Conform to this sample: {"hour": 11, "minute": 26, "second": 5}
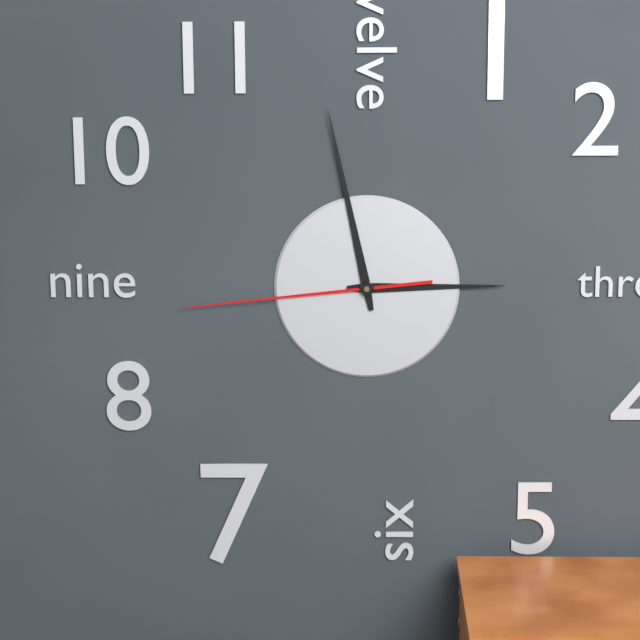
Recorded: {"hour": 2, "minute": 58, "second": 44}
